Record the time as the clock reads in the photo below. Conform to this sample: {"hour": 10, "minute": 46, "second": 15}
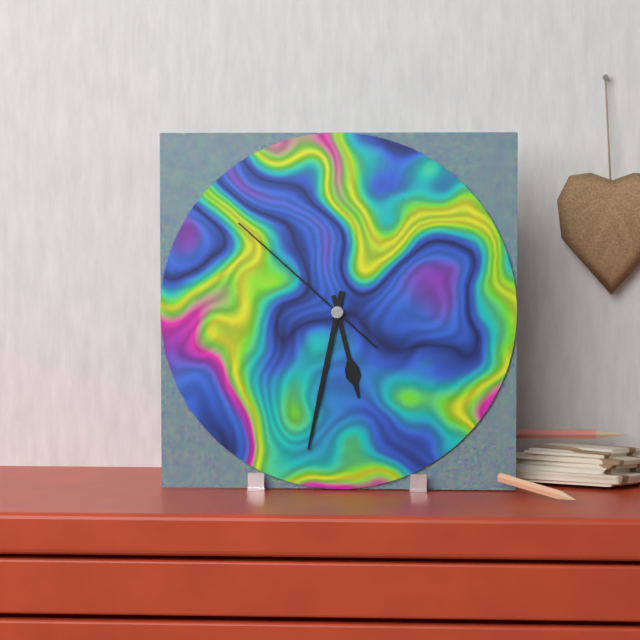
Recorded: {"hour": 5, "minute": 32, "second": 52}
